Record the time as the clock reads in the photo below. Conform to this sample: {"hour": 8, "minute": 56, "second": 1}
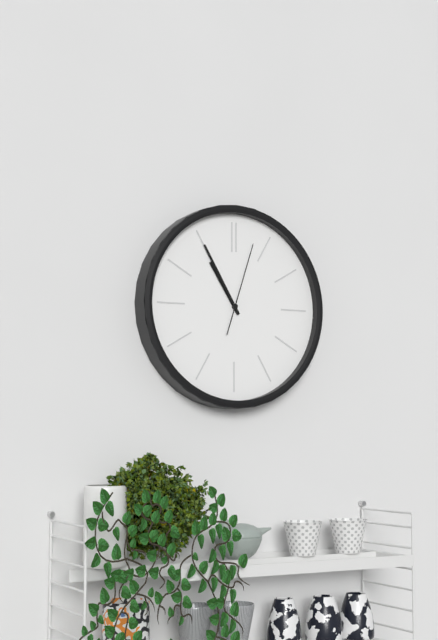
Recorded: {"hour": 10, "minute": 55, "second": 3}
